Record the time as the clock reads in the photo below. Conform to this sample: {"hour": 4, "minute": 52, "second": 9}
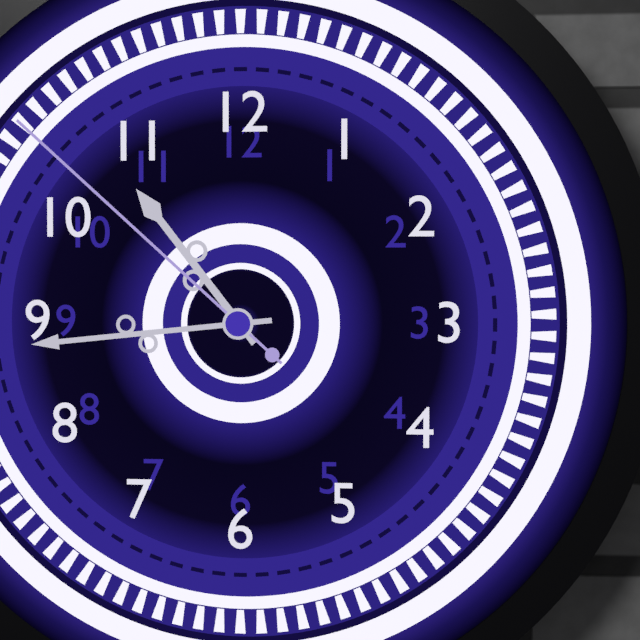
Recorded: {"hour": 10, "minute": 44, "second": 52}
